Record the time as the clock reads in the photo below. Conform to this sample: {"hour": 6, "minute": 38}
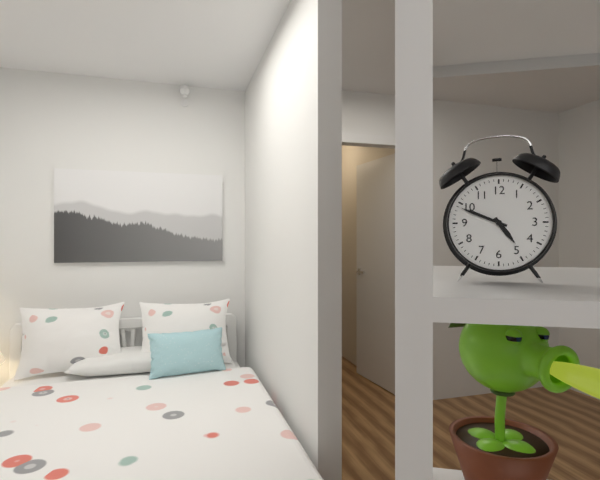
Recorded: {"hour": 4, "minute": 49}
